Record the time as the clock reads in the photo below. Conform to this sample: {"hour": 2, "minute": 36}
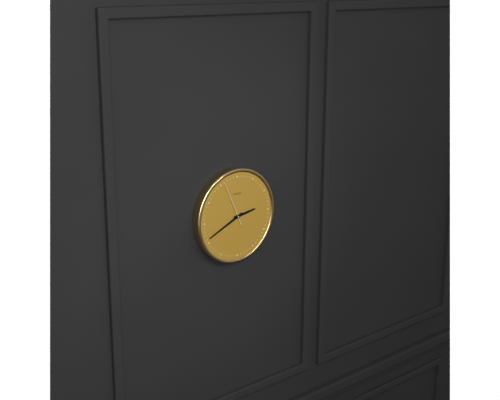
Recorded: {"hour": 2, "minute": 41}
